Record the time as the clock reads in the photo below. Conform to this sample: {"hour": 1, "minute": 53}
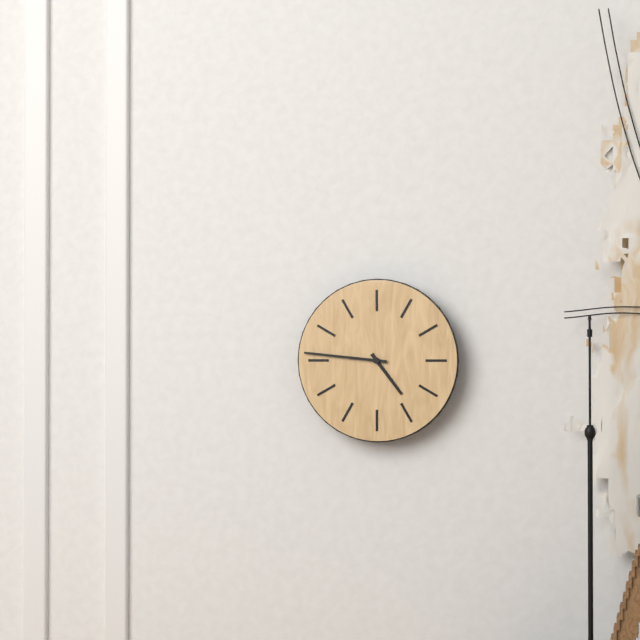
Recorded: {"hour": 4, "minute": 46}
